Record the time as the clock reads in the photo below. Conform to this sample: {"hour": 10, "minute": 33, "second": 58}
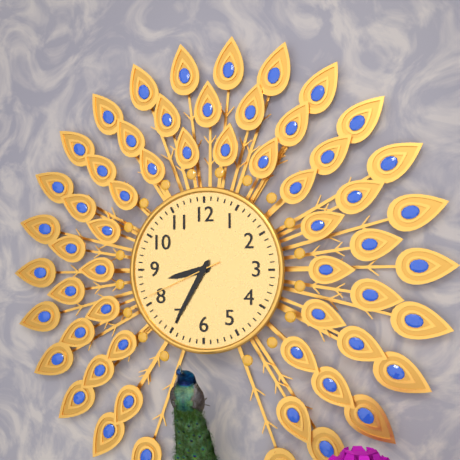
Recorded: {"hour": 8, "minute": 35, "second": 41}
